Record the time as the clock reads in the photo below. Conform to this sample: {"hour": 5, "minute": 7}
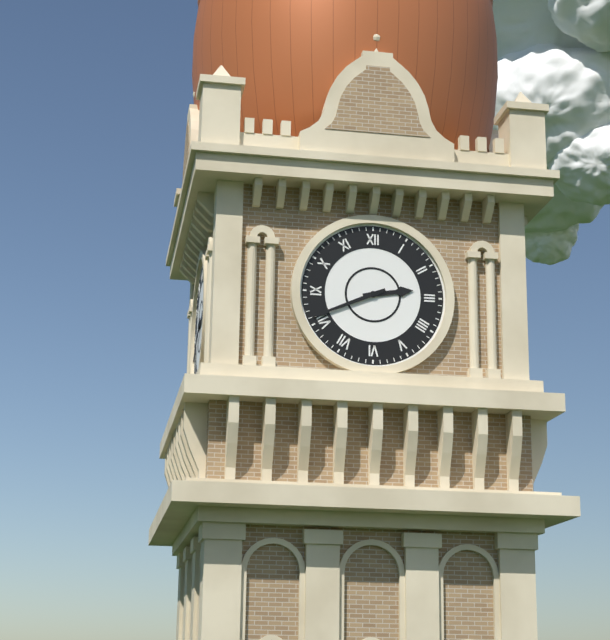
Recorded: {"hour": 2, "minute": 41}
